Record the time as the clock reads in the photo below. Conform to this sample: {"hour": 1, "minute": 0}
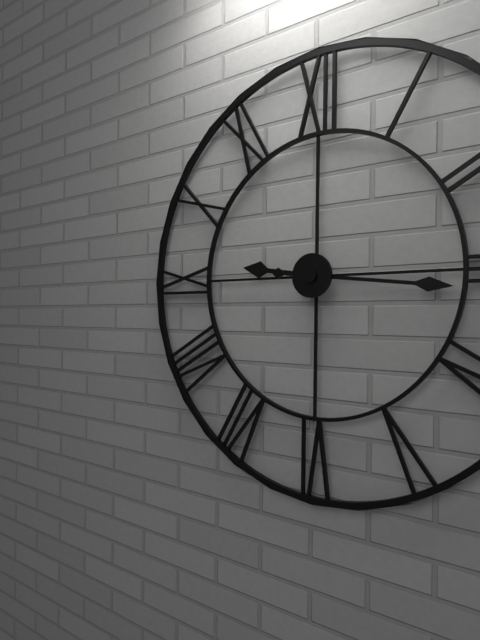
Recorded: {"hour": 9, "minute": 16}
